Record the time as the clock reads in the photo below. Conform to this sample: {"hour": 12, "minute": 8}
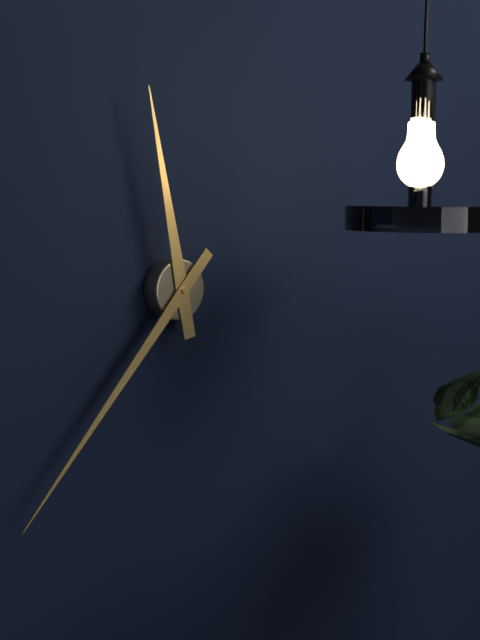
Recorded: {"hour": 11, "minute": 37}
